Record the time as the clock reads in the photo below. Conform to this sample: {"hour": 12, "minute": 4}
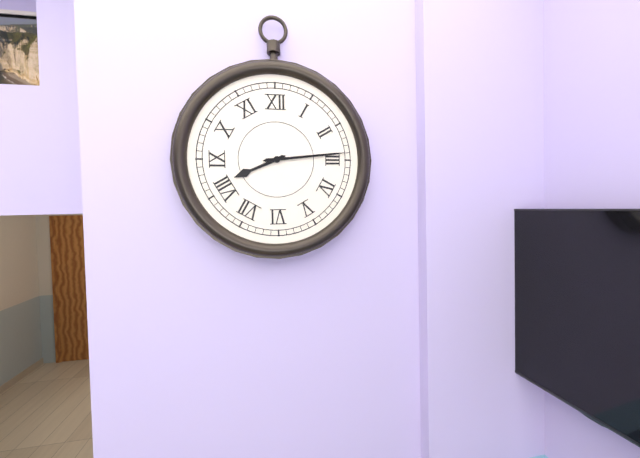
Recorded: {"hour": 8, "minute": 14}
